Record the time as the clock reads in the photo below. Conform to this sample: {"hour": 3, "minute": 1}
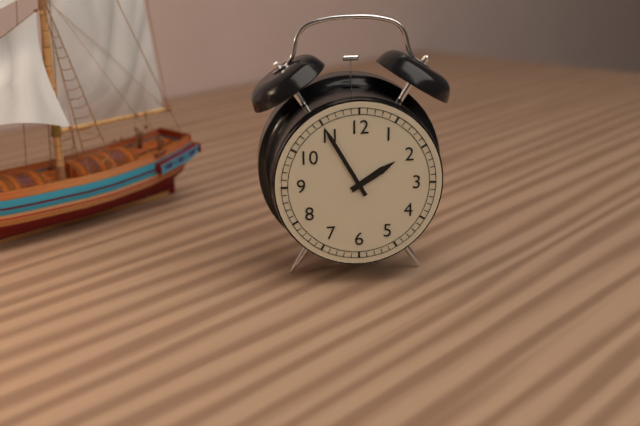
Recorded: {"hour": 1, "minute": 55}
